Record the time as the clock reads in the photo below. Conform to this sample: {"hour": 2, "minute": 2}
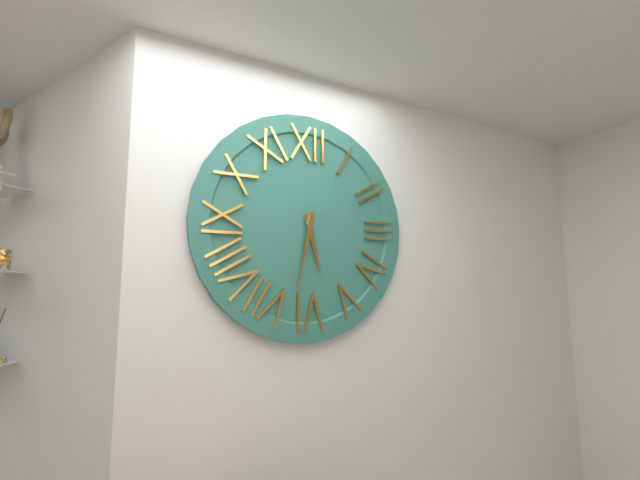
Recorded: {"hour": 5, "minute": 32}
